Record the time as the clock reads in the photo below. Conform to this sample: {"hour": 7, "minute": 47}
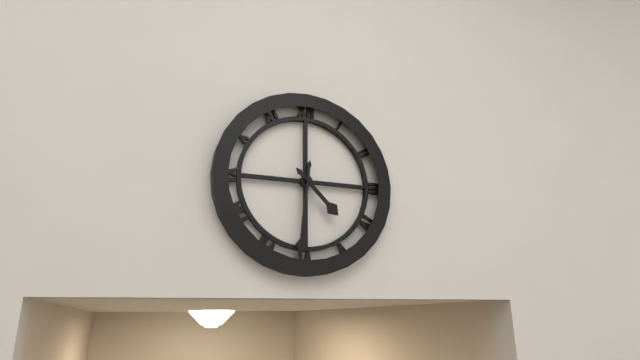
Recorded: {"hour": 4, "minute": 31}
